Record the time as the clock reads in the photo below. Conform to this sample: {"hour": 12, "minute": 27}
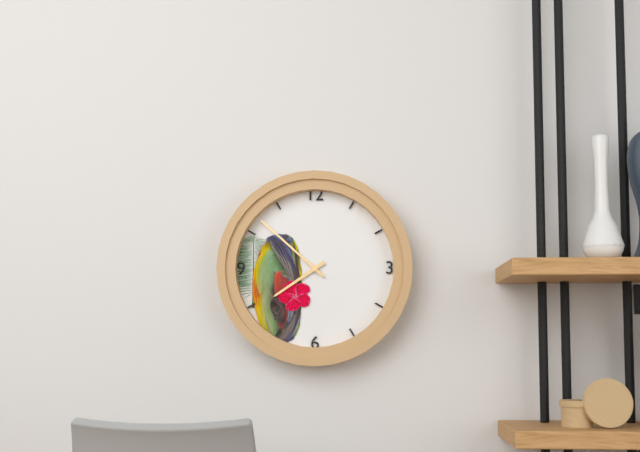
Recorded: {"hour": 7, "minute": 52}
